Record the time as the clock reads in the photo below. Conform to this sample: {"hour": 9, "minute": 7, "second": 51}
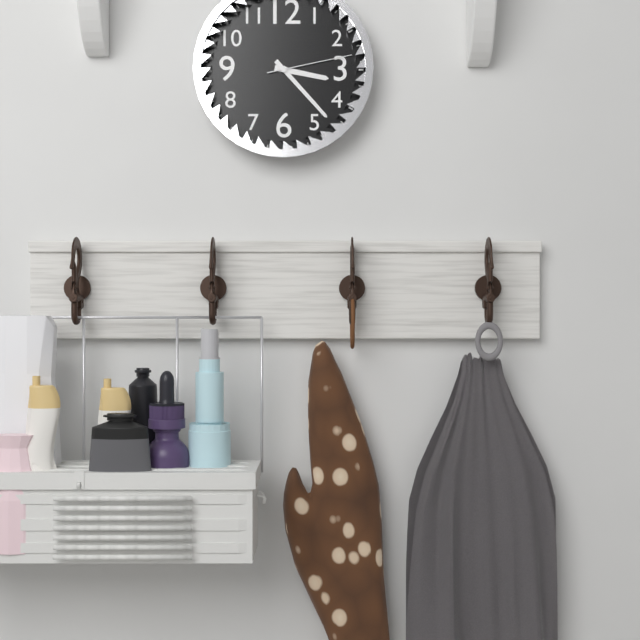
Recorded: {"hour": 3, "minute": 23, "second": 13}
